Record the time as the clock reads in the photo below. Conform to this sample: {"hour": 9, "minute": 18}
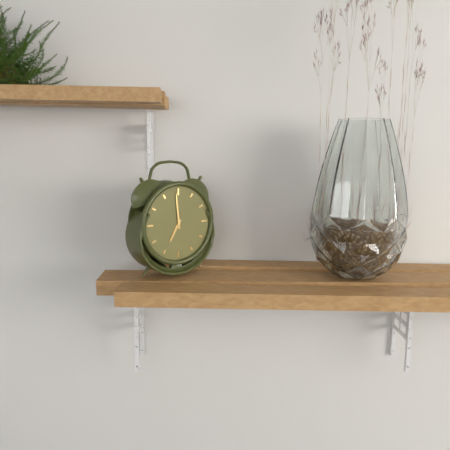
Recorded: {"hour": 6, "minute": 59}
